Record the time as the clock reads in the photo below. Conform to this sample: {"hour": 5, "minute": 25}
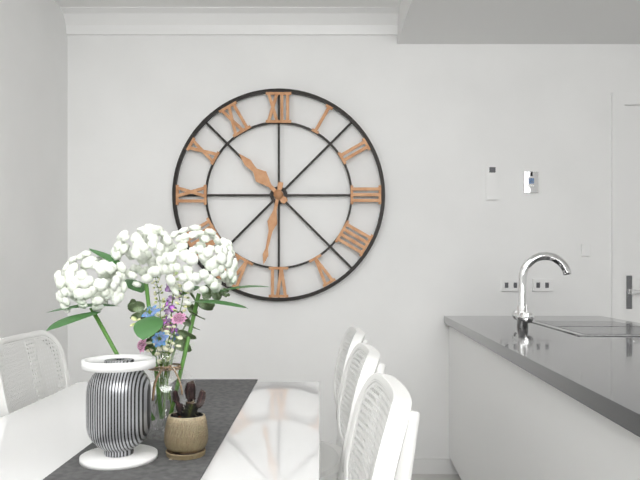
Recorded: {"hour": 10, "minute": 32}
